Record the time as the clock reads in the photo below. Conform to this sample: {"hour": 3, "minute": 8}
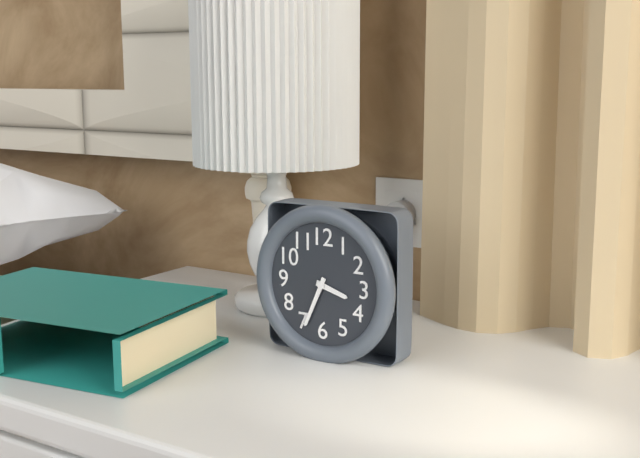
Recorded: {"hour": 3, "minute": 34}
